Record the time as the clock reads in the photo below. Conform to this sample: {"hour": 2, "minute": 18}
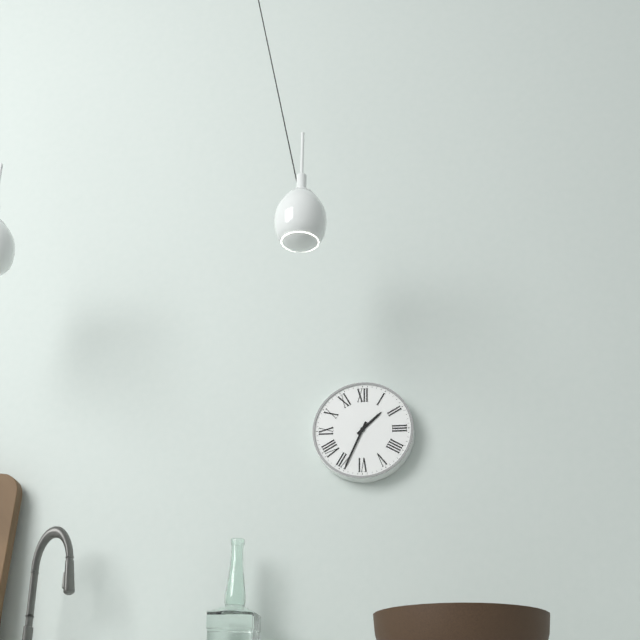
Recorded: {"hour": 1, "minute": 34}
